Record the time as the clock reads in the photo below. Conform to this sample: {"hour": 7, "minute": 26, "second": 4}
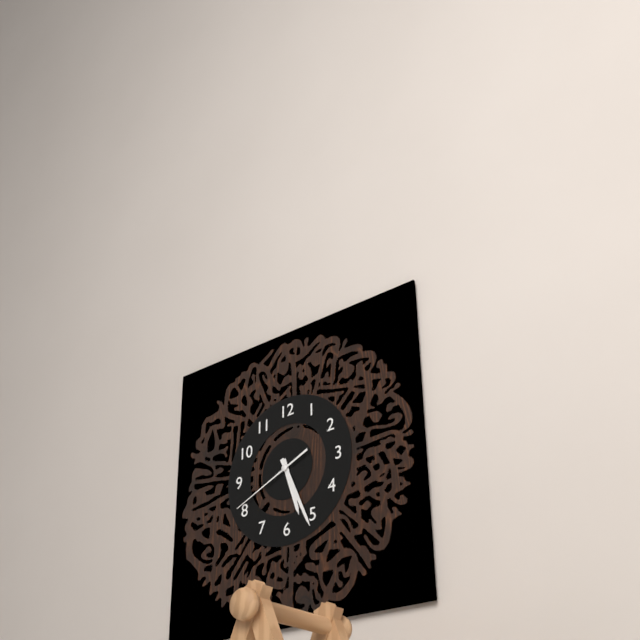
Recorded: {"hour": 5, "minute": 26, "second": 41}
